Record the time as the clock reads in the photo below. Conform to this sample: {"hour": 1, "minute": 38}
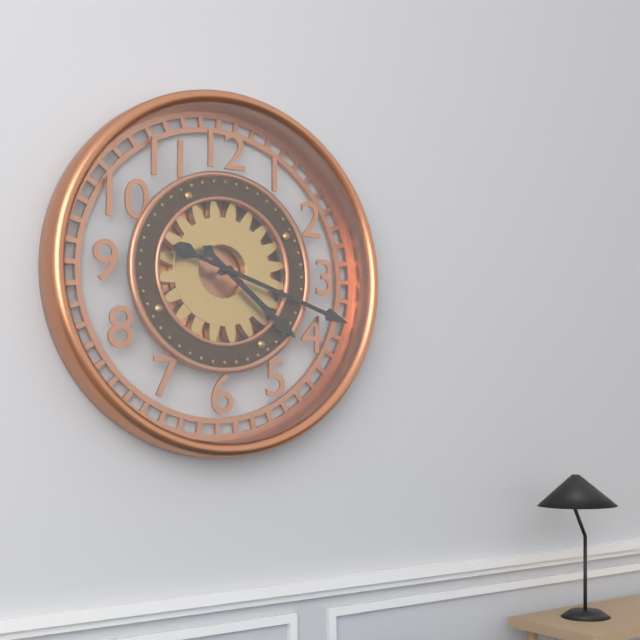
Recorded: {"hour": 4, "minute": 18}
